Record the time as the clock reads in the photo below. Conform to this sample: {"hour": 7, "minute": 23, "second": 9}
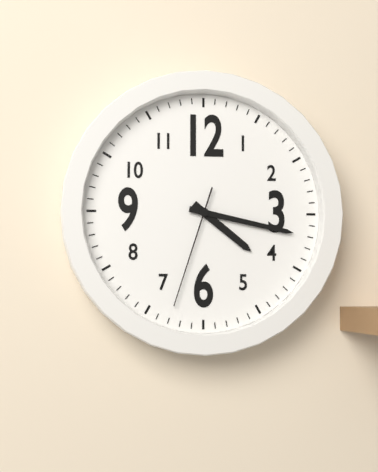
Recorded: {"hour": 4, "minute": 17, "second": 33}
